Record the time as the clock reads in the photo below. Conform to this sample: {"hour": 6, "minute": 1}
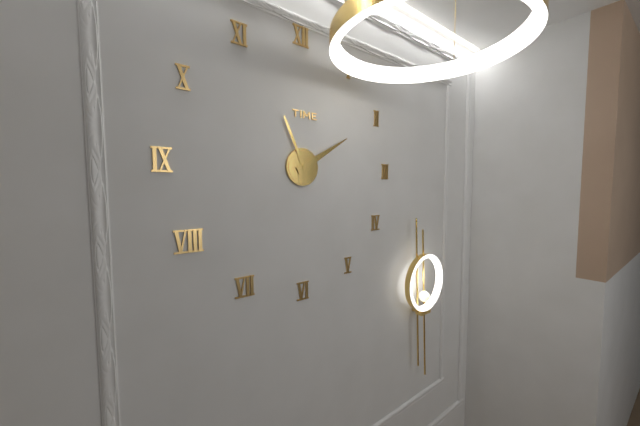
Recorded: {"hour": 11, "minute": 10}
